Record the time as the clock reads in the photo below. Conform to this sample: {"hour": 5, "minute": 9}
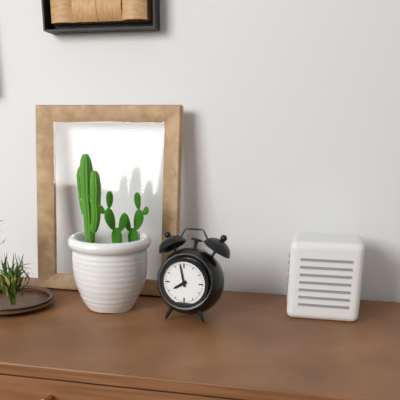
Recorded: {"hour": 7, "minute": 58}
